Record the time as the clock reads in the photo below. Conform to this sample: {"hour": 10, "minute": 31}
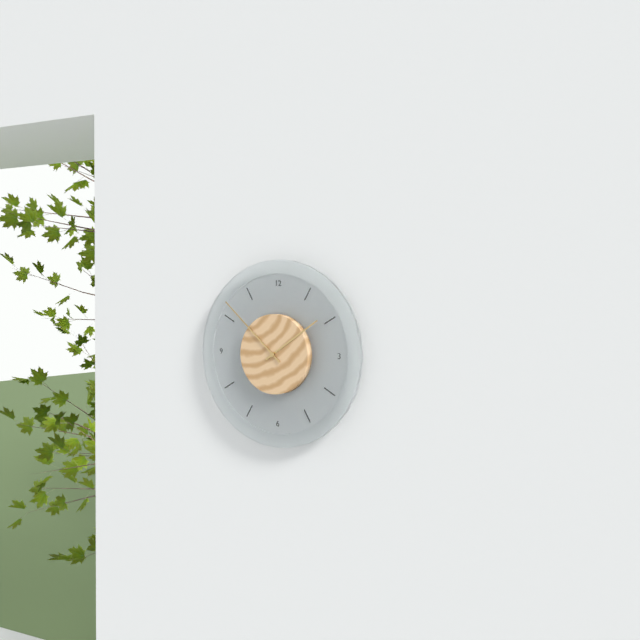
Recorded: {"hour": 1, "minute": 52}
